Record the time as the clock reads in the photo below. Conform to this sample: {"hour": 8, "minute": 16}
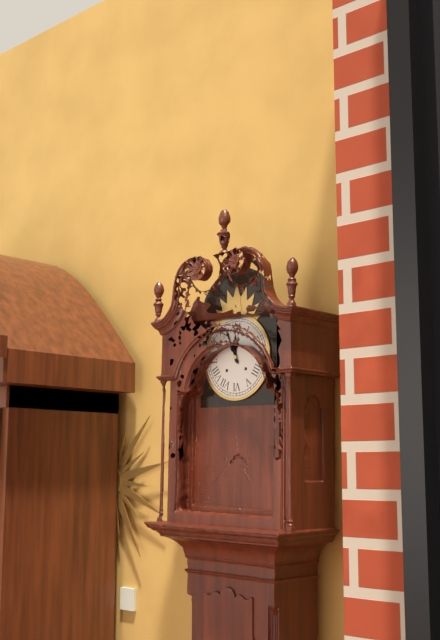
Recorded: {"hour": 11, "minute": 56}
